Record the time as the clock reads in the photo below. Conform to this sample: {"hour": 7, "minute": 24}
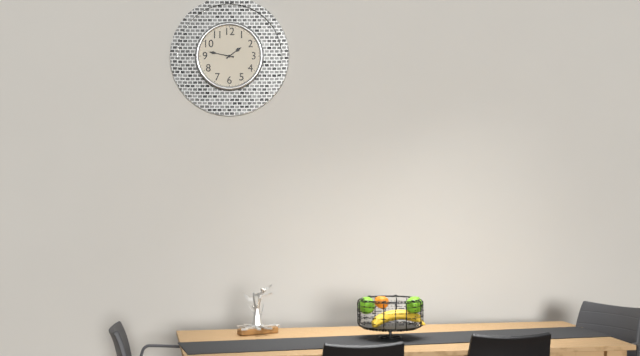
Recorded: {"hour": 1, "minute": 47}
